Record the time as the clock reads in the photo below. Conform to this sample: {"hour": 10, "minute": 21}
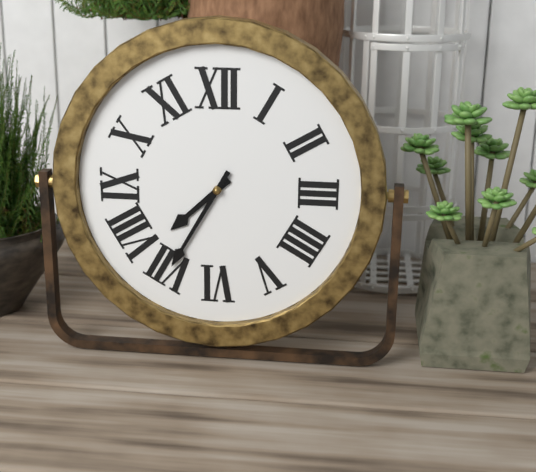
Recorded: {"hour": 7, "minute": 35}
